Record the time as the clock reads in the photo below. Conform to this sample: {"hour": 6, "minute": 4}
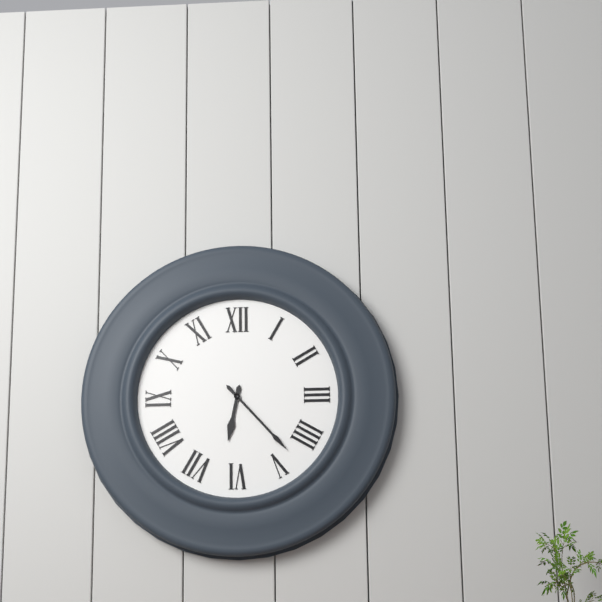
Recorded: {"hour": 6, "minute": 23}
